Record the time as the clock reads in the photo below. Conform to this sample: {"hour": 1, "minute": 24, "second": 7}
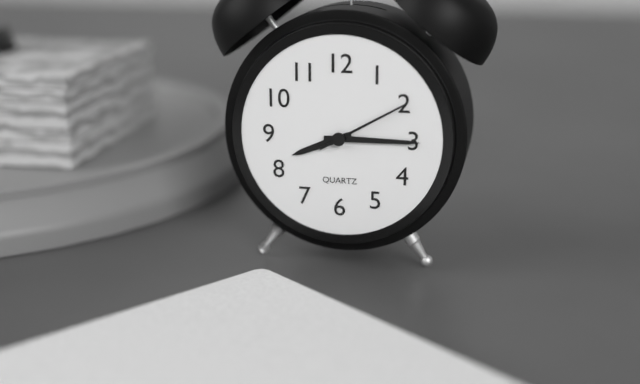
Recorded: {"hour": 8, "minute": 15, "second": 10}
